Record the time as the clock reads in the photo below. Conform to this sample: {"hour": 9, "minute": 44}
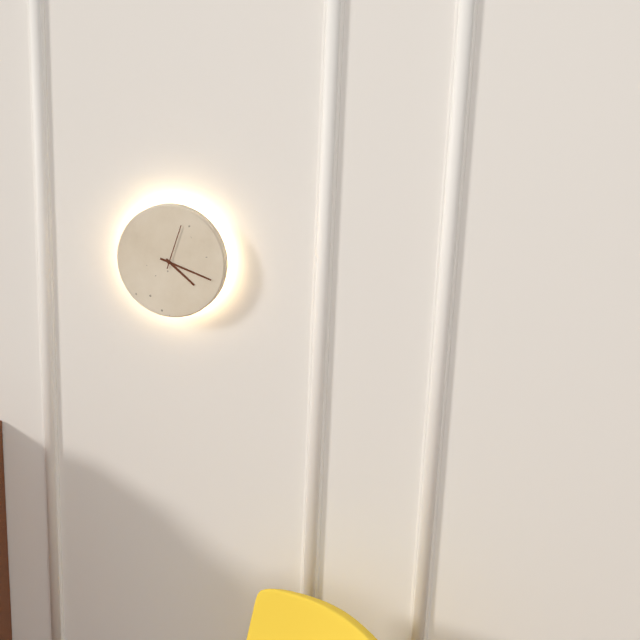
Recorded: {"hour": 4, "minute": 18}
